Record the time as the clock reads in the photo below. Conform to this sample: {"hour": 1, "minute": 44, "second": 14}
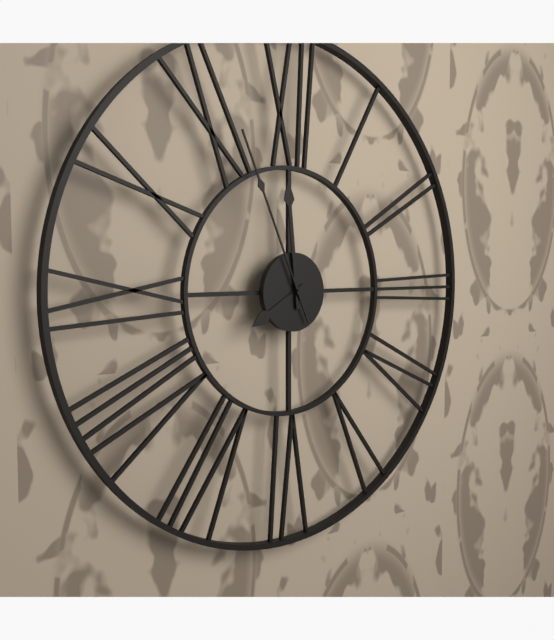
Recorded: {"hour": 7, "minute": 59, "second": 56}
